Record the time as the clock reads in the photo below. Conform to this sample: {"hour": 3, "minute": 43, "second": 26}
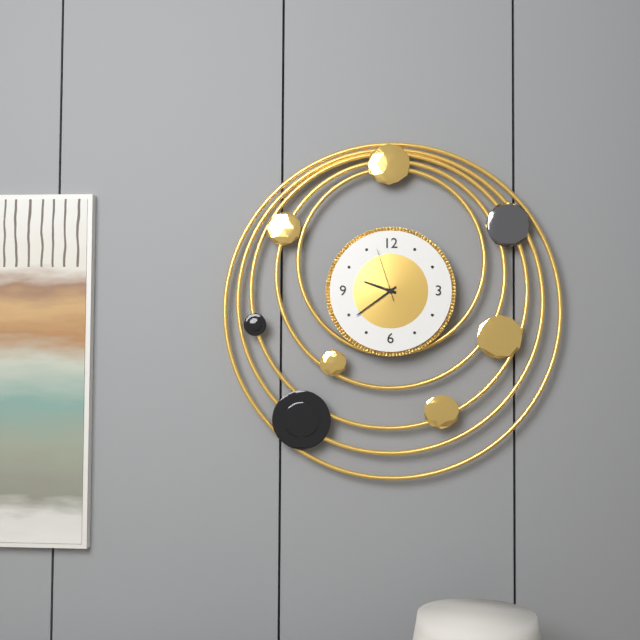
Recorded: {"hour": 9, "minute": 39, "second": 57}
